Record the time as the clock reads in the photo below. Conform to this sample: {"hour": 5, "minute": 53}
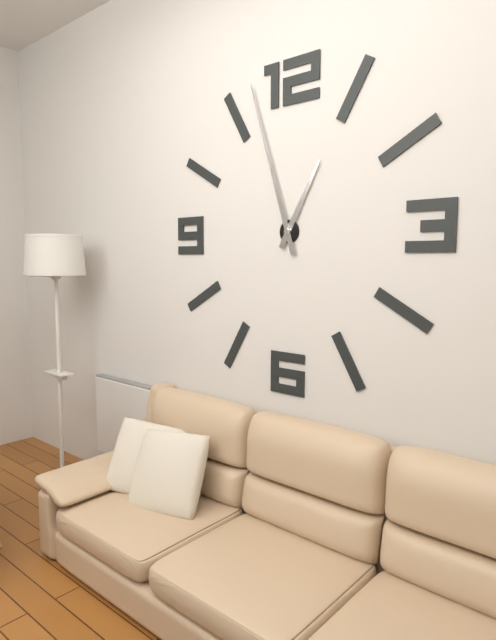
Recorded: {"hour": 12, "minute": 57}
